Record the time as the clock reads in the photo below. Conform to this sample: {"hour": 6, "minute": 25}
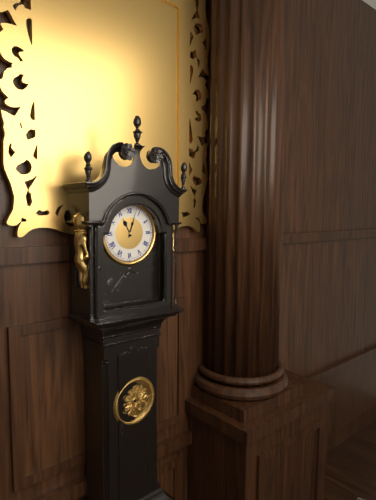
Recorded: {"hour": 11, "minute": 3}
